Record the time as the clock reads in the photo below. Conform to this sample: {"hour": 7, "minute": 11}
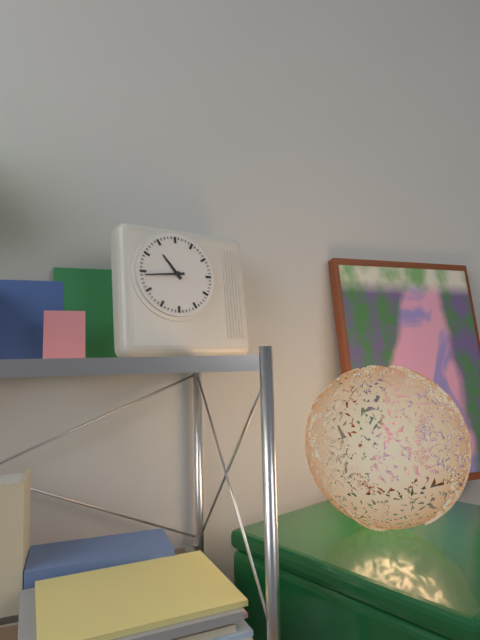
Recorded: {"hour": 10, "minute": 44}
